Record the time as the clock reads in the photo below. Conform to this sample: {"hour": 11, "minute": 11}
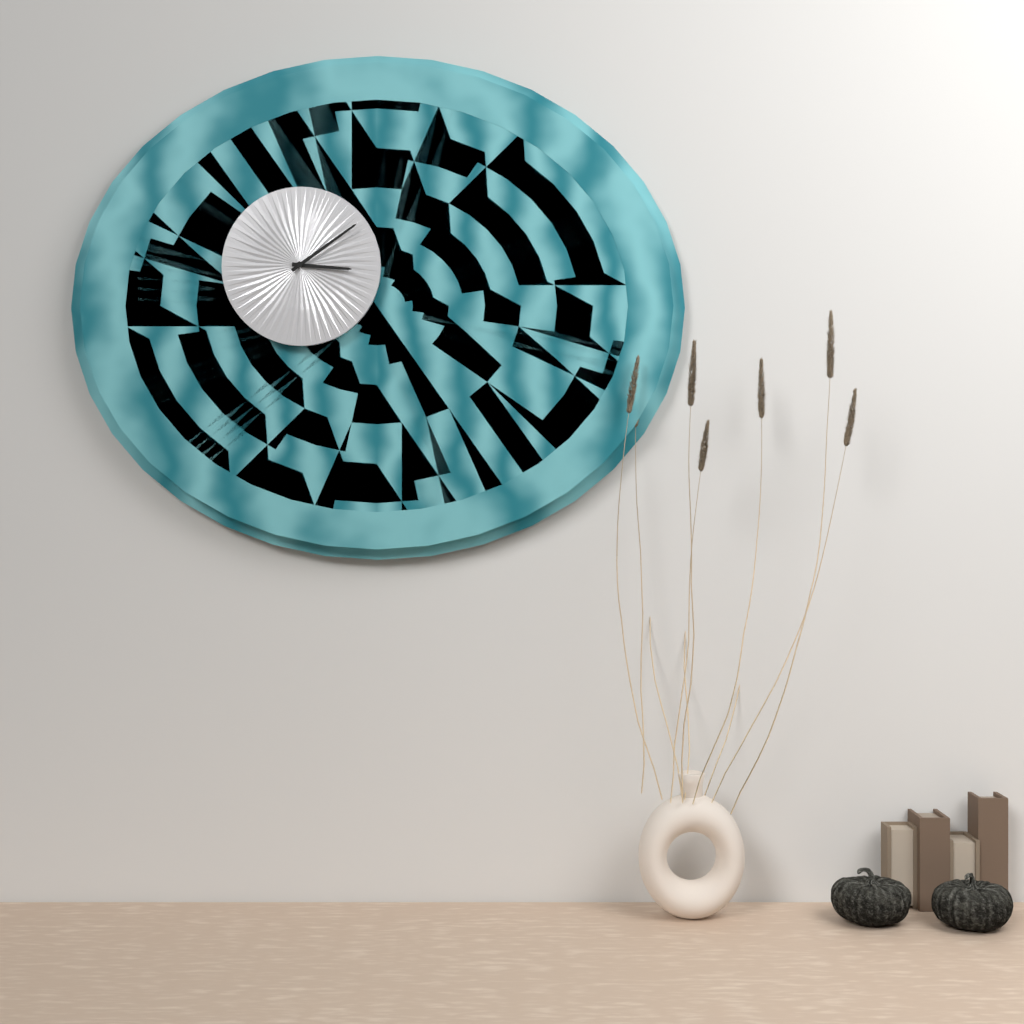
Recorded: {"hour": 3, "minute": 9}
